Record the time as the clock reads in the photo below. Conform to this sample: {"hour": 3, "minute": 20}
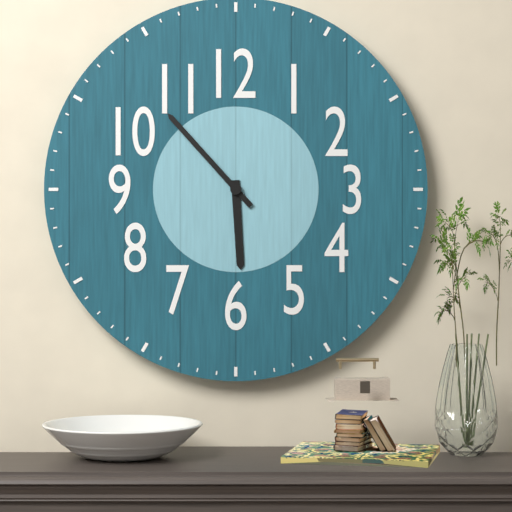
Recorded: {"hour": 5, "minute": 53}
